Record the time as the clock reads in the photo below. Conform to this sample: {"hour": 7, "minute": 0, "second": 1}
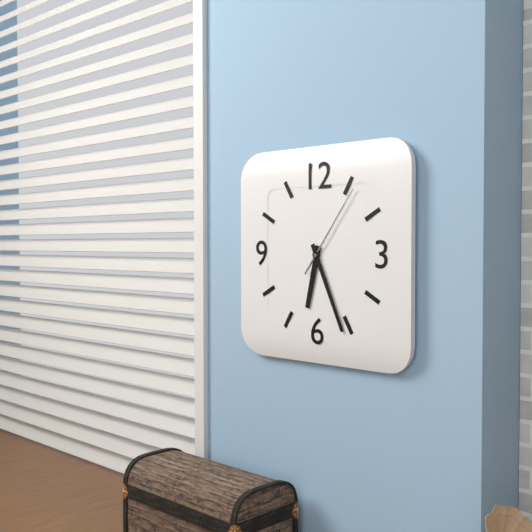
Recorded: {"hour": 6, "minute": 26, "second": 6}
